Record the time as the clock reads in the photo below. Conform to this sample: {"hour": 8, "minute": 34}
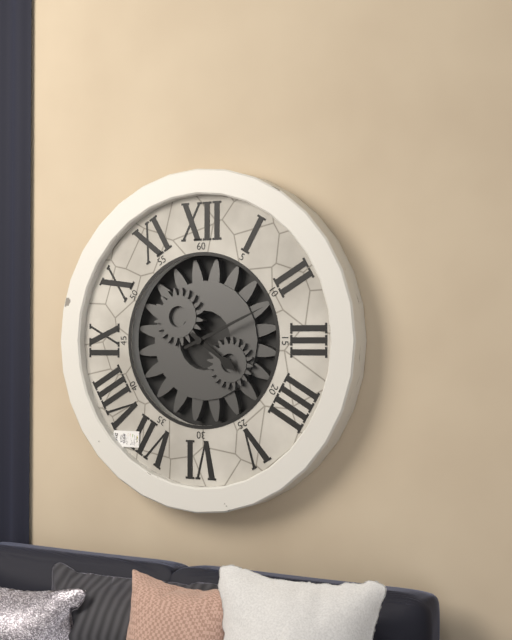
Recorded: {"hour": 4, "minute": 11}
